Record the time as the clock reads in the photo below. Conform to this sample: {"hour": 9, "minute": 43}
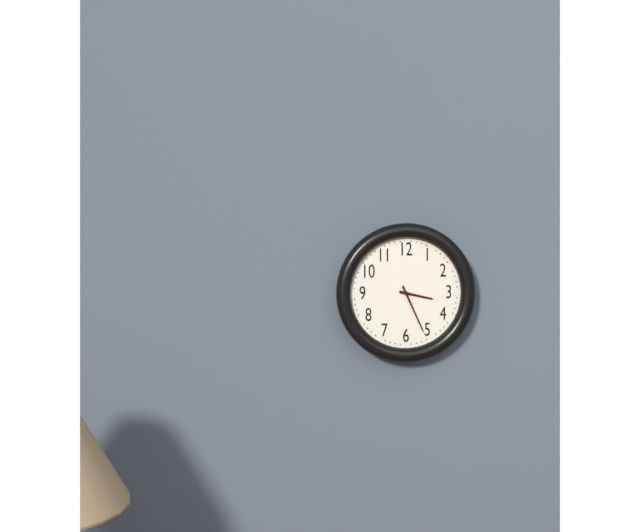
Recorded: {"hour": 3, "minute": 26}
